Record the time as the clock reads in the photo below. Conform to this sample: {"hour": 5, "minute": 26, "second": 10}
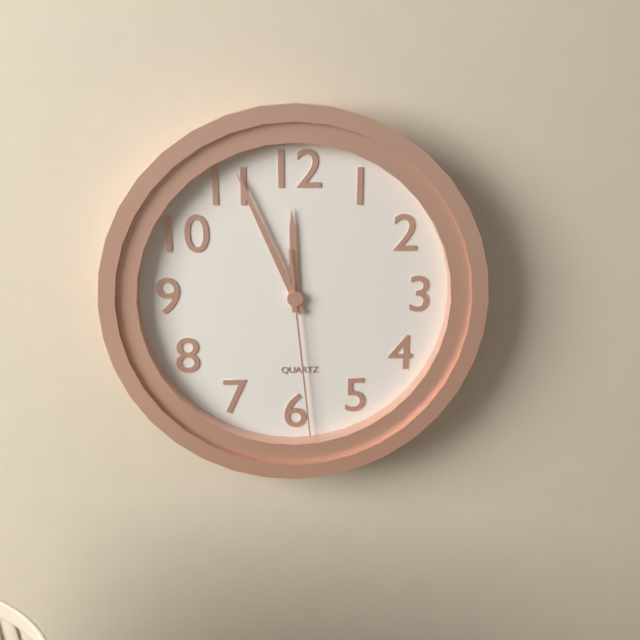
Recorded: {"hour": 11, "minute": 56, "second": 29}
